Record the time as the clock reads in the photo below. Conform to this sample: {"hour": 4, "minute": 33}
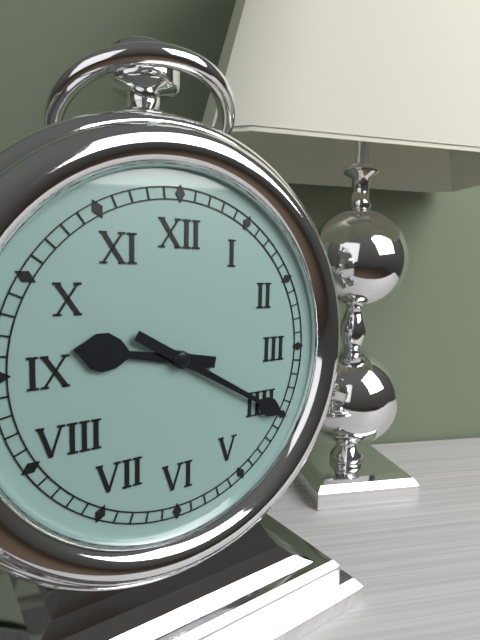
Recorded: {"hour": 9, "minute": 20}
